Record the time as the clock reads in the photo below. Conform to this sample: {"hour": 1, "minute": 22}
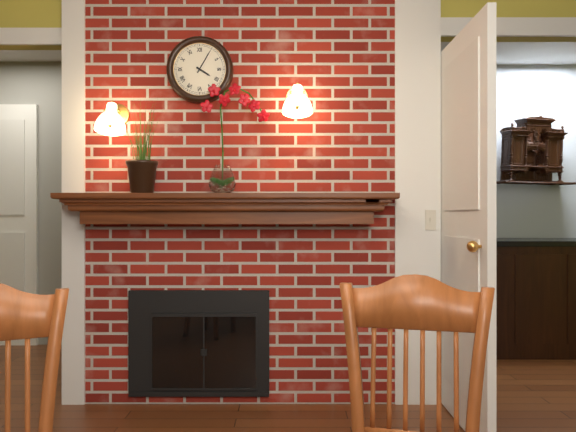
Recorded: {"hour": 4, "minute": 5}
